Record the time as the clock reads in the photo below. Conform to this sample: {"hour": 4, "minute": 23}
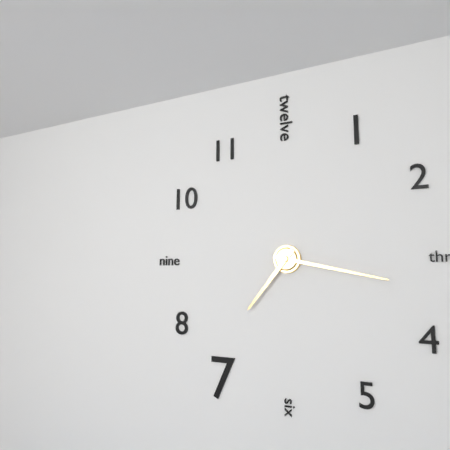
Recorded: {"hour": 7, "minute": 17}
